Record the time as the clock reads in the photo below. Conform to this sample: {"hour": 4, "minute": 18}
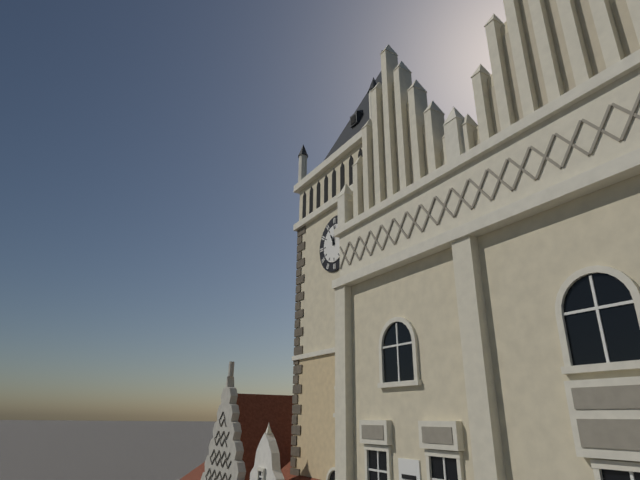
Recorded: {"hour": 11, "minute": 2}
